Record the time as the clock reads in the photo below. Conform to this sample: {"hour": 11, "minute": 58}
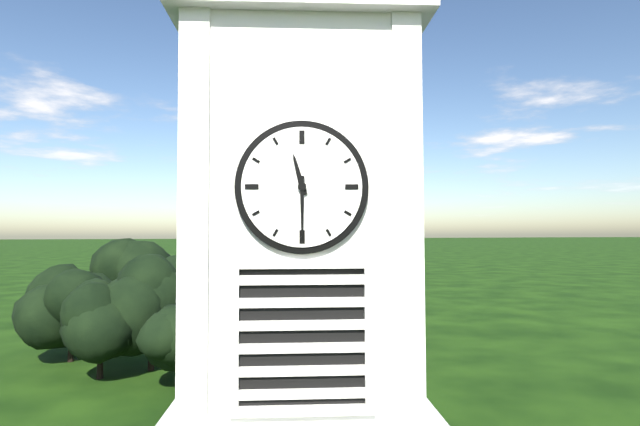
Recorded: {"hour": 11, "minute": 30}
